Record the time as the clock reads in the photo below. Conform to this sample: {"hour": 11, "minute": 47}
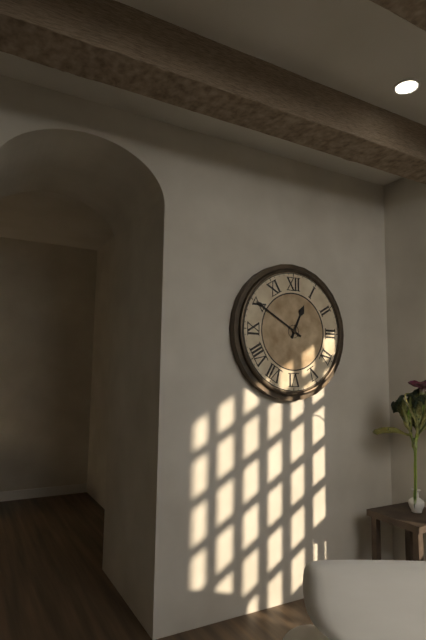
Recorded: {"hour": 12, "minute": 50}
